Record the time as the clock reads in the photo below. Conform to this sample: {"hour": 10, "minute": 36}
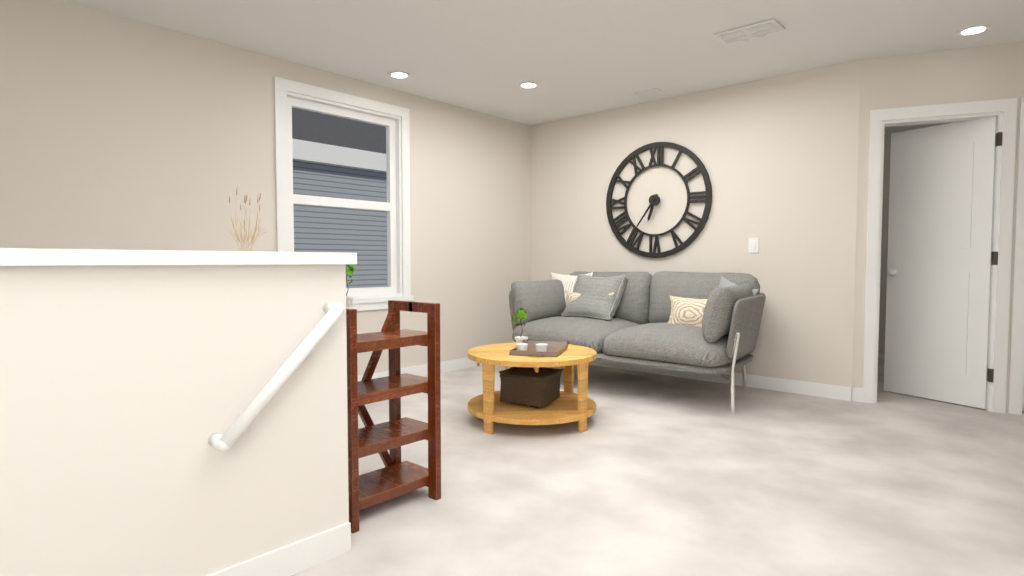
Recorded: {"hour": 6, "minute": 36}
